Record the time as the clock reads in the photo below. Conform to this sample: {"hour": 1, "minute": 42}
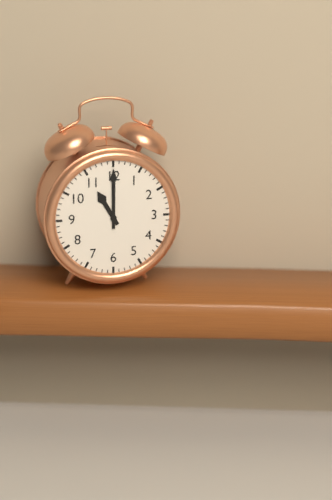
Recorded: {"hour": 11, "minute": 0}
